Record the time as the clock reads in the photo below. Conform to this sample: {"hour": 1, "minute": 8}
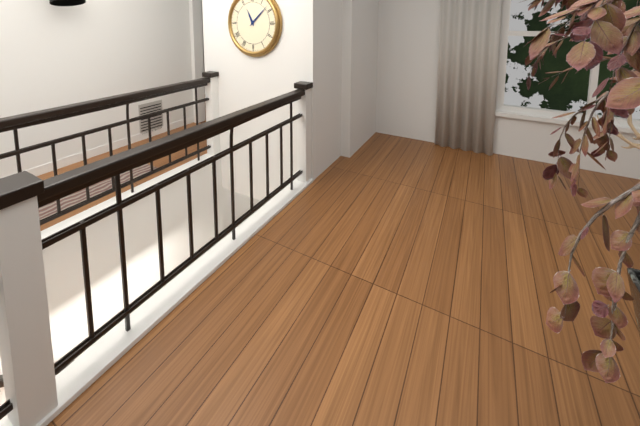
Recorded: {"hour": 11, "minute": 8}
